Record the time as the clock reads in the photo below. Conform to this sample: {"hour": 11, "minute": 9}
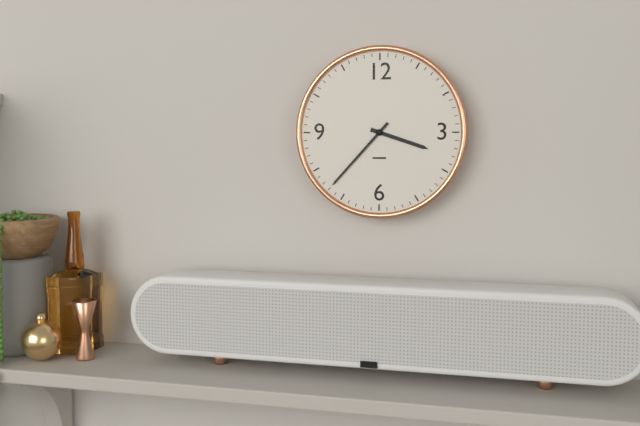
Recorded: {"hour": 3, "minute": 37}
